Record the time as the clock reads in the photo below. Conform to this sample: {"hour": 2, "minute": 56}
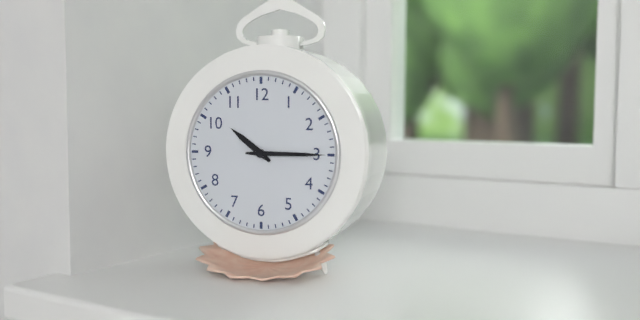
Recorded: {"hour": 10, "minute": 15}
